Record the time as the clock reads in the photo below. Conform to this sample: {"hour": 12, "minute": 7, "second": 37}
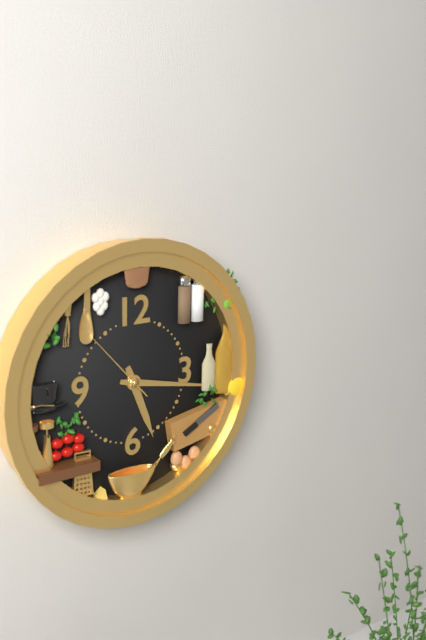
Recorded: {"hour": 5, "minute": 17, "second": 53}
